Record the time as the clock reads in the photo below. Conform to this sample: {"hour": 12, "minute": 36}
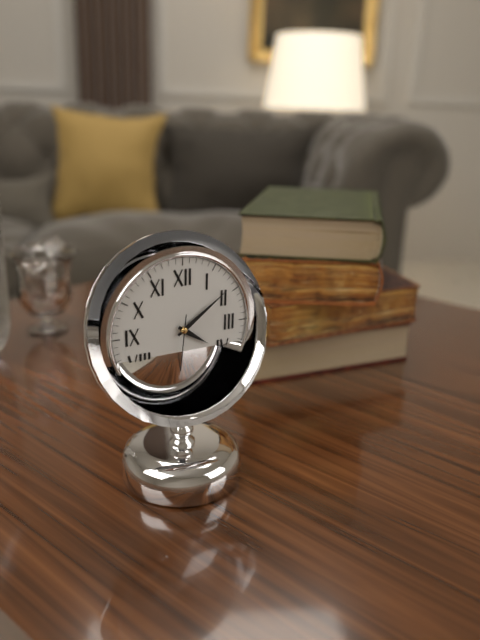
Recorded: {"hour": 4, "minute": 9}
